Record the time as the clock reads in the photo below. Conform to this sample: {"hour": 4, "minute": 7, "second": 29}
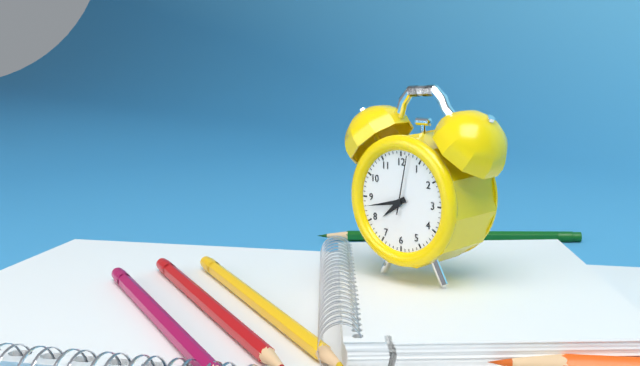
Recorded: {"hour": 7, "minute": 43, "second": 2}
